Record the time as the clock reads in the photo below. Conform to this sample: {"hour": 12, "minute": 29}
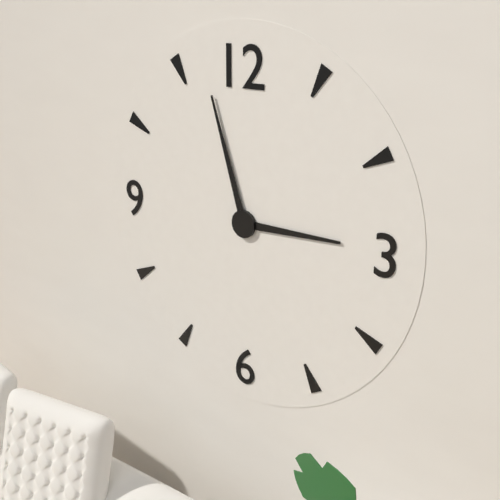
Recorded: {"hour": 2, "minute": 57}
